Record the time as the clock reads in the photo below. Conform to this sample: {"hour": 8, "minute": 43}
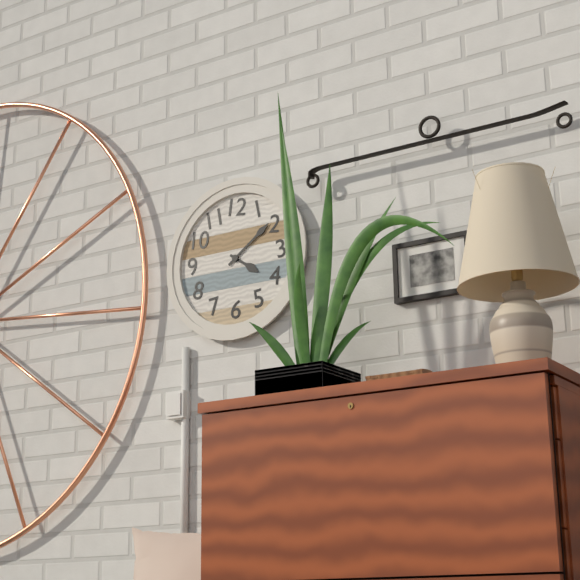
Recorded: {"hour": 4, "minute": 9}
